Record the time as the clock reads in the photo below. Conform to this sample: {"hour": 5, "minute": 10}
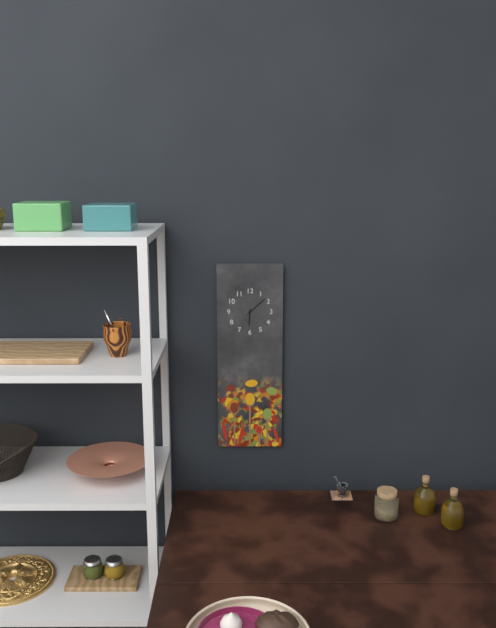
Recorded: {"hour": 6, "minute": 8}
